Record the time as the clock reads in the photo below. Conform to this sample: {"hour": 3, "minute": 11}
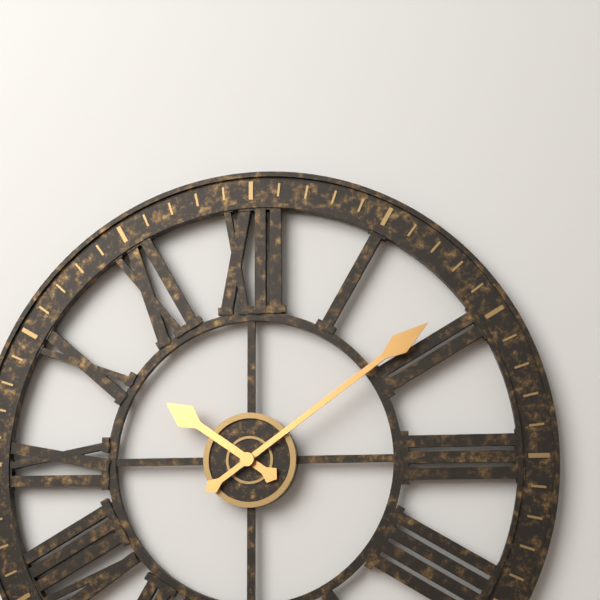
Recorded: {"hour": 10, "minute": 9}
